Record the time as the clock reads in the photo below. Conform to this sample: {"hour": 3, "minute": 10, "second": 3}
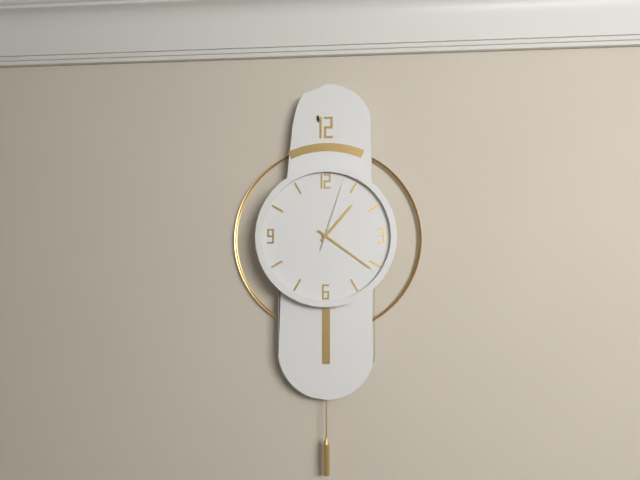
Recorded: {"hour": 1, "minute": 21, "second": 3}
